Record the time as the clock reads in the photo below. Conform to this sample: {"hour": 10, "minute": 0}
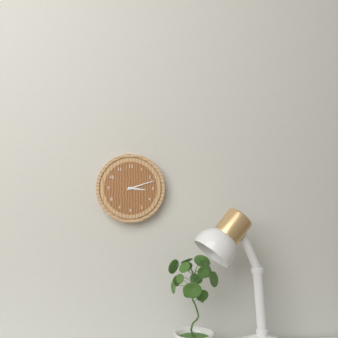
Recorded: {"hour": 3, "minute": 12}
